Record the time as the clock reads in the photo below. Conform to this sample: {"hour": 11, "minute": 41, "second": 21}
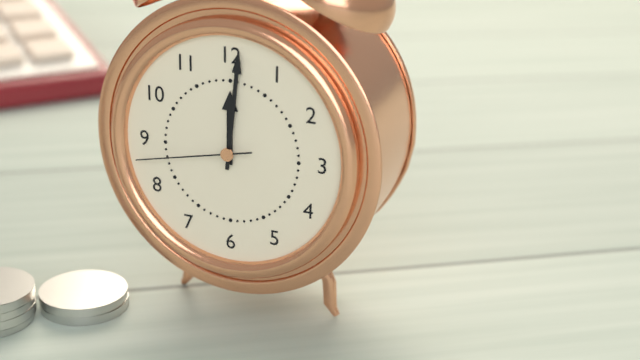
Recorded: {"hour": 12, "minute": 1, "second": 43}
